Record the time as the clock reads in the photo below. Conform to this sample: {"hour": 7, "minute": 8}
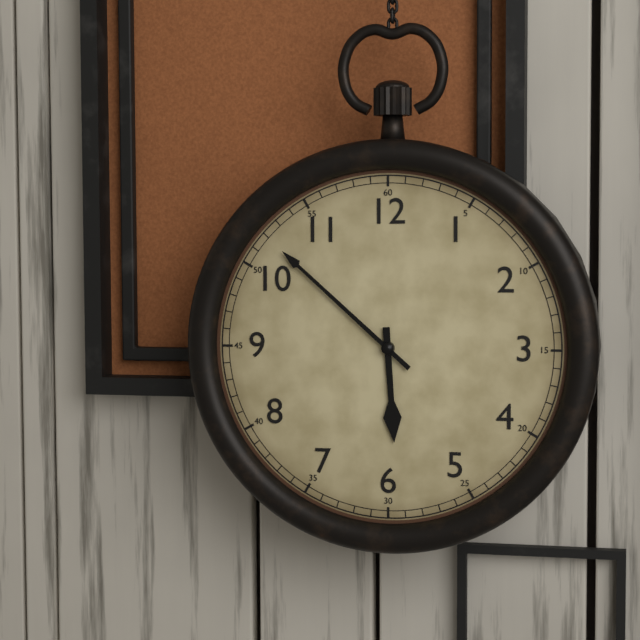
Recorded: {"hour": 5, "minute": 52}
